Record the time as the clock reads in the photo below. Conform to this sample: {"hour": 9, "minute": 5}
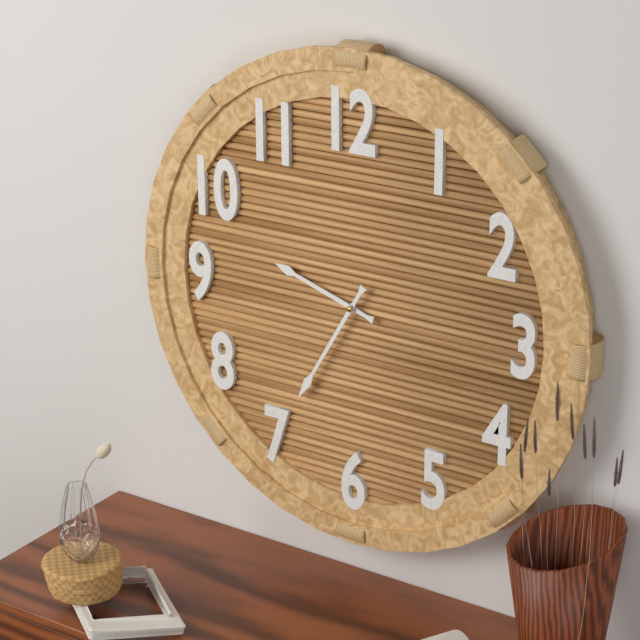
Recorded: {"hour": 9, "minute": 35}
